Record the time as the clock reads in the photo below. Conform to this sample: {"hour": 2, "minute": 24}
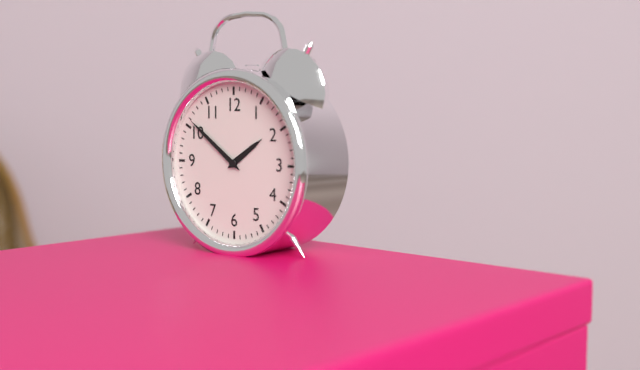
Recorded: {"hour": 1, "minute": 51}
